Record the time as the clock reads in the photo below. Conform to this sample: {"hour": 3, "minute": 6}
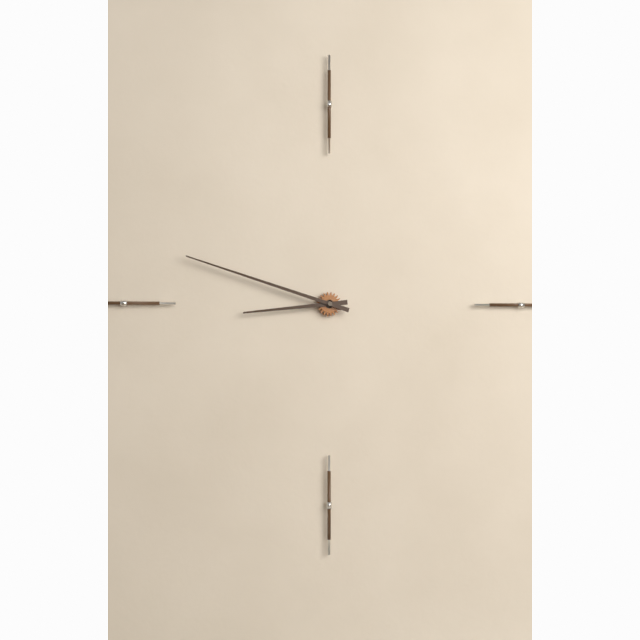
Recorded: {"hour": 8, "minute": 48}
